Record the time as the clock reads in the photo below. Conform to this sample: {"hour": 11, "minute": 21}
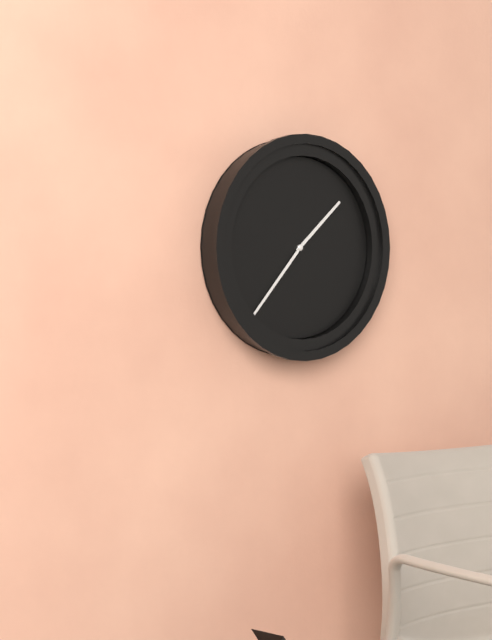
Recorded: {"hour": 1, "minute": 37}
